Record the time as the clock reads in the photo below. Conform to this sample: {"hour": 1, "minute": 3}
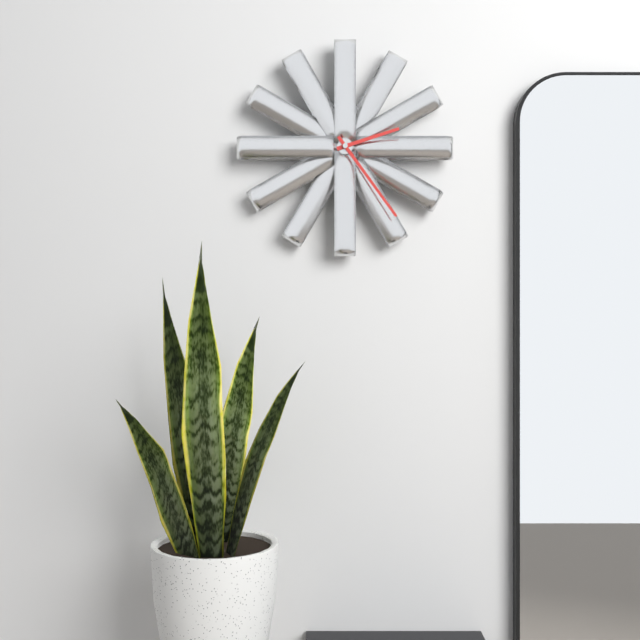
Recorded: {"hour": 2, "minute": 24}
